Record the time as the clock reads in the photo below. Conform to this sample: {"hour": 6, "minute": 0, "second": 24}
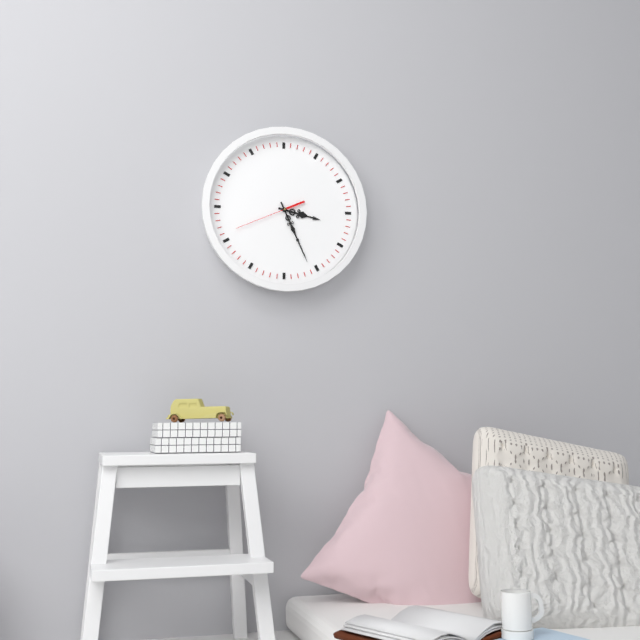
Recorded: {"hour": 3, "minute": 26, "second": 41}
